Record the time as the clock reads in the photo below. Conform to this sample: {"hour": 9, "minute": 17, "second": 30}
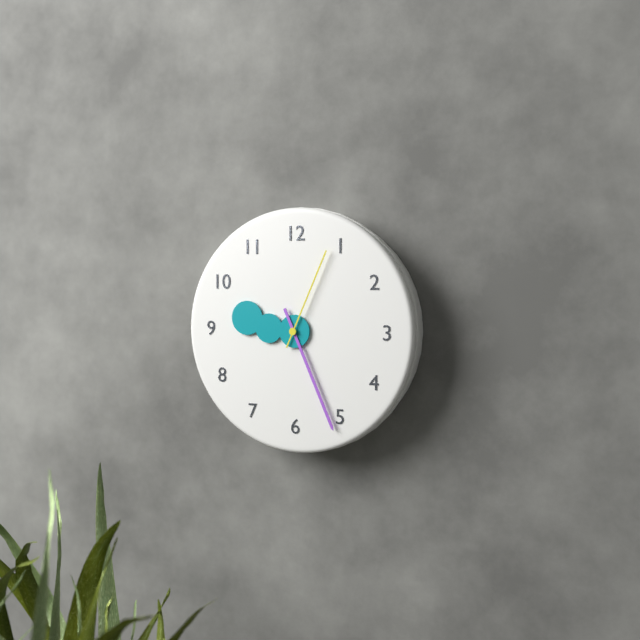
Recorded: {"hour": 9, "minute": 26, "second": 4}
